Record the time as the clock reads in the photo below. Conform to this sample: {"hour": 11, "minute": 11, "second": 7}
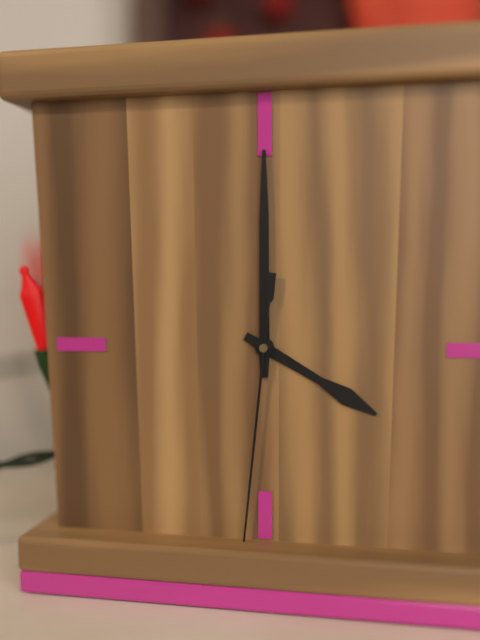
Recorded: {"hour": 4, "minute": 0, "second": 31}
